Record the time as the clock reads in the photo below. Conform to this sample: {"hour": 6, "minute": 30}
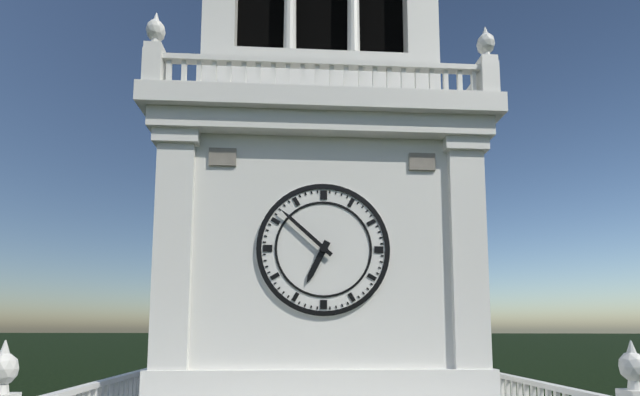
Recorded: {"hour": 6, "minute": 52}
